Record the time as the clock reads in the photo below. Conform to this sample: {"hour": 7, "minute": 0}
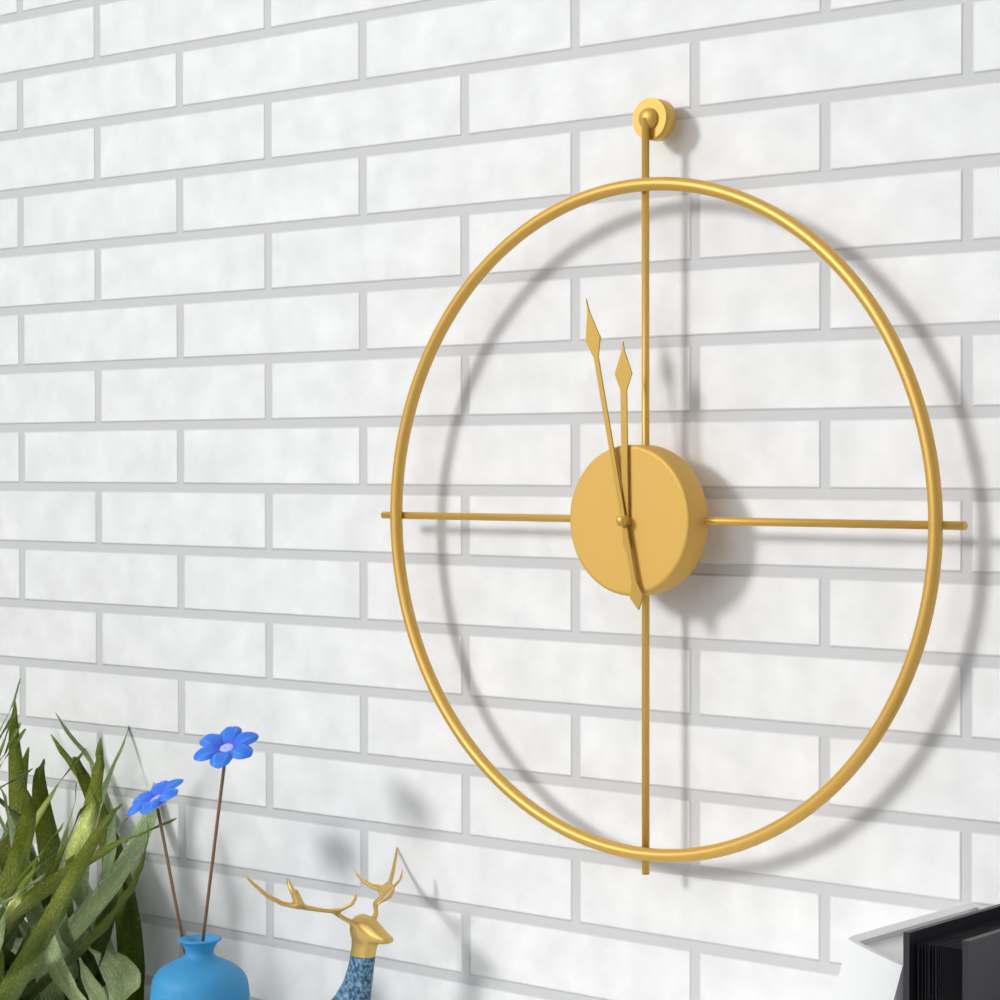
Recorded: {"hour": 11, "minute": 58}
